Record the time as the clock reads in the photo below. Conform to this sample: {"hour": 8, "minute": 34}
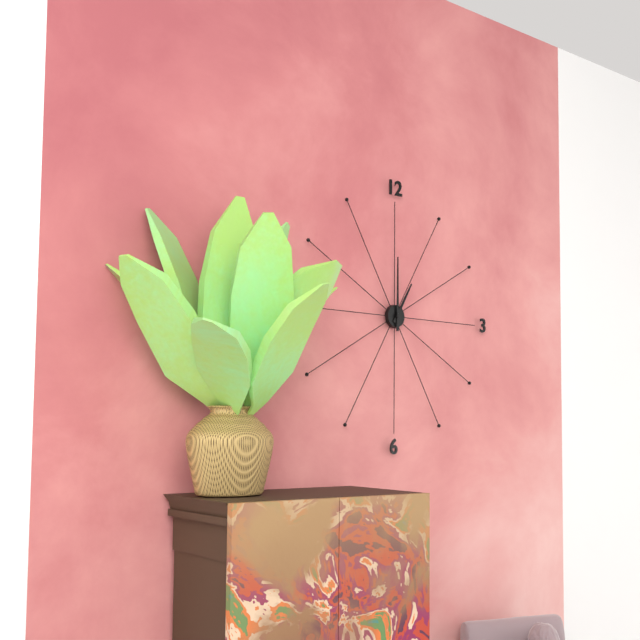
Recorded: {"hour": 1, "minute": 0}
